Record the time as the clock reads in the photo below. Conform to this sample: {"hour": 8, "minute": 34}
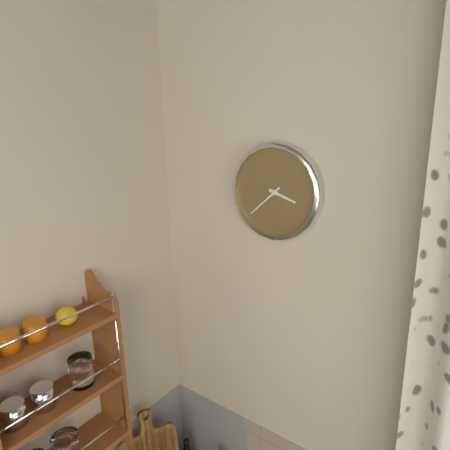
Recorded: {"hour": 3, "minute": 38}
